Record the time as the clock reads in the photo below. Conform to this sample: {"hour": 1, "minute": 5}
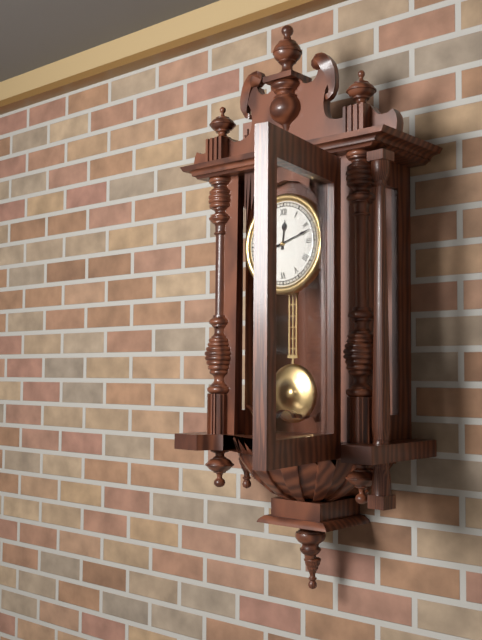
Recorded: {"hour": 12, "minute": 12}
